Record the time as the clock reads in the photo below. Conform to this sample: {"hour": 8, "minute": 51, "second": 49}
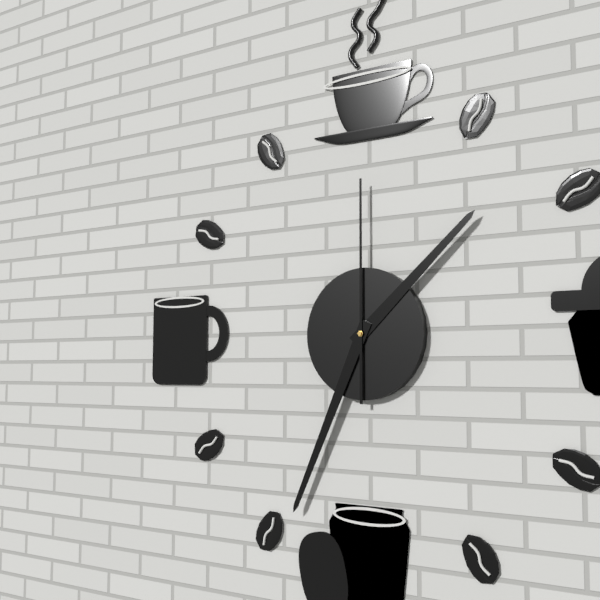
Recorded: {"hour": 1, "minute": 34, "second": 0}
